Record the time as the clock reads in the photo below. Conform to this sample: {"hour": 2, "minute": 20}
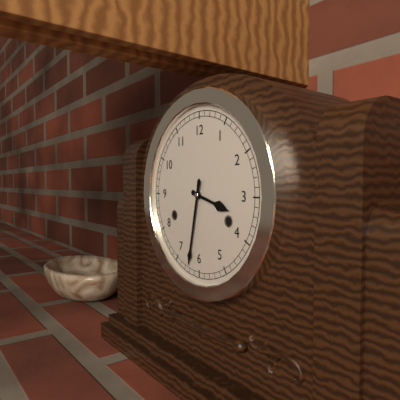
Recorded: {"hour": 3, "minute": 32}
